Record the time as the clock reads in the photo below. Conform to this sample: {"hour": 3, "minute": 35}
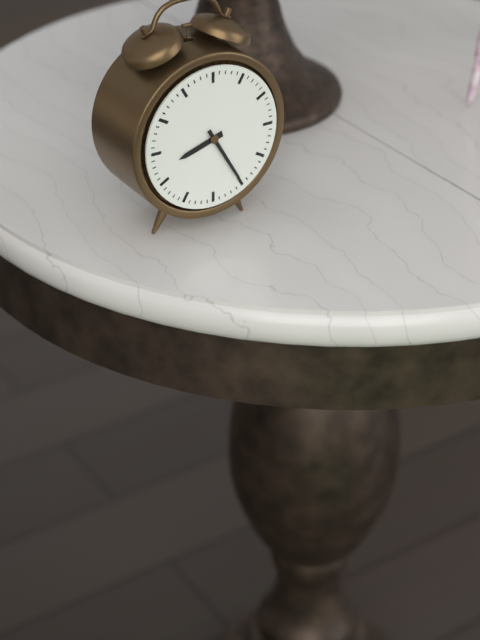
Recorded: {"hour": 8, "minute": 25}
